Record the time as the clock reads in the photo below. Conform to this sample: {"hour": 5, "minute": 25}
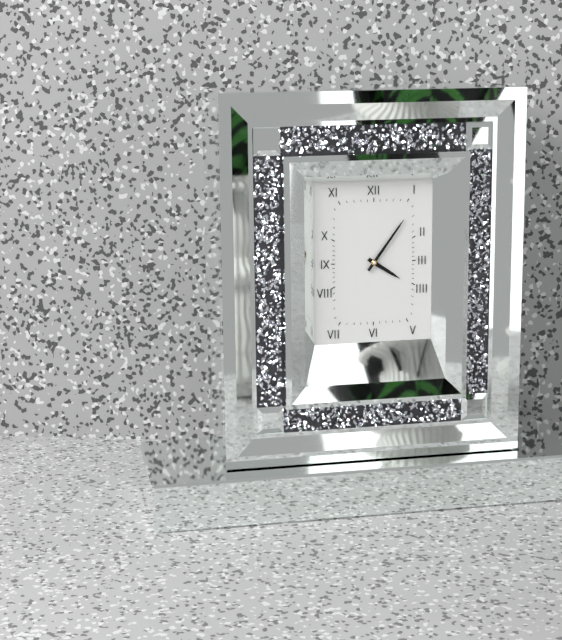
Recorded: {"hour": 4, "minute": 6}
